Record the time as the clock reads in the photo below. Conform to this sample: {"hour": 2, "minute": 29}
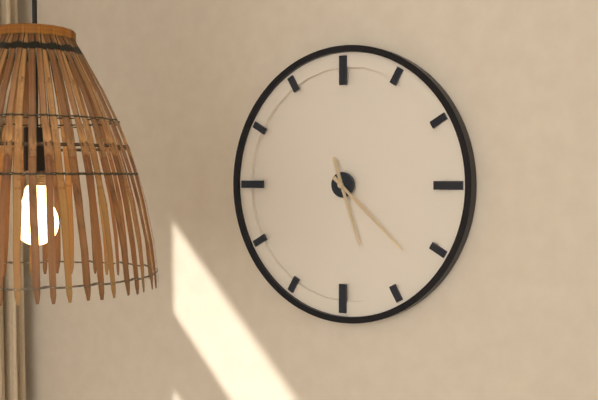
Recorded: {"hour": 5, "minute": 22}
